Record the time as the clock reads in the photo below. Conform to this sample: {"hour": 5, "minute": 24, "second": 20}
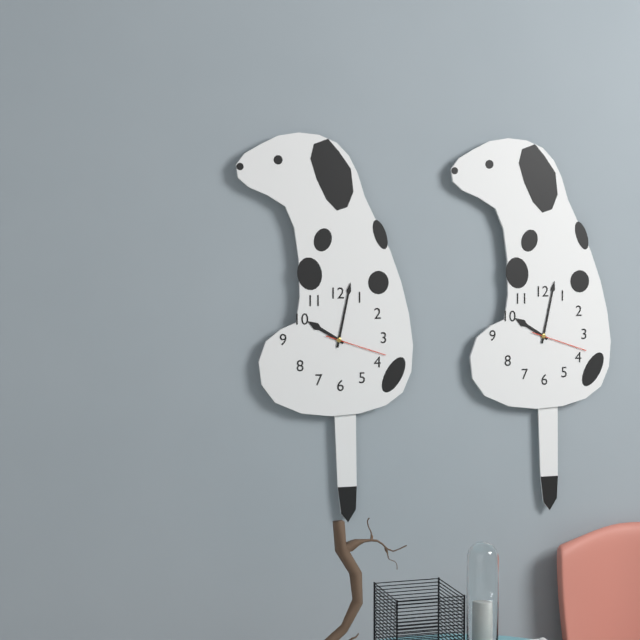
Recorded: {"hour": 10, "minute": 2, "second": 18}
